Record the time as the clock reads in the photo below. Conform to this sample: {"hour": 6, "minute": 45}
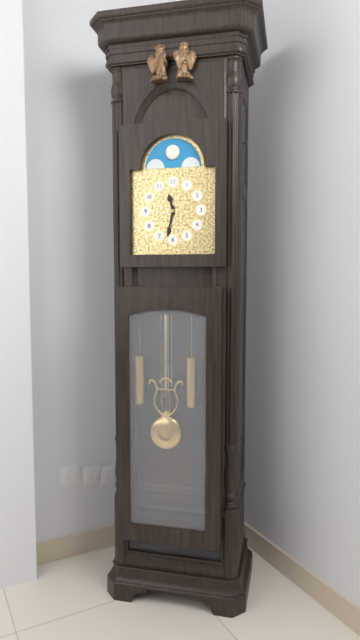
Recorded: {"hour": 11, "minute": 32}
